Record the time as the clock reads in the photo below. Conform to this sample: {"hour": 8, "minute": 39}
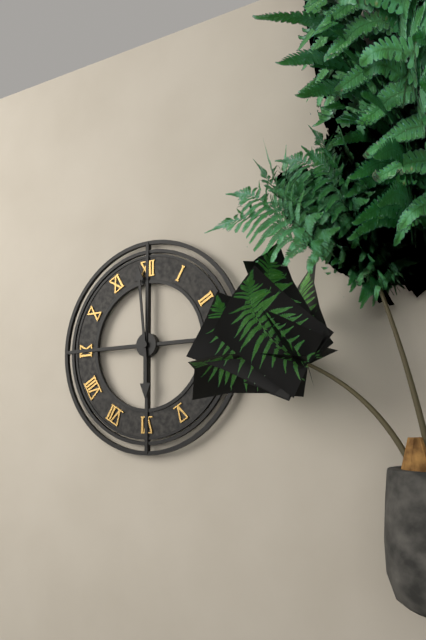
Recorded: {"hour": 5, "minute": 59}
